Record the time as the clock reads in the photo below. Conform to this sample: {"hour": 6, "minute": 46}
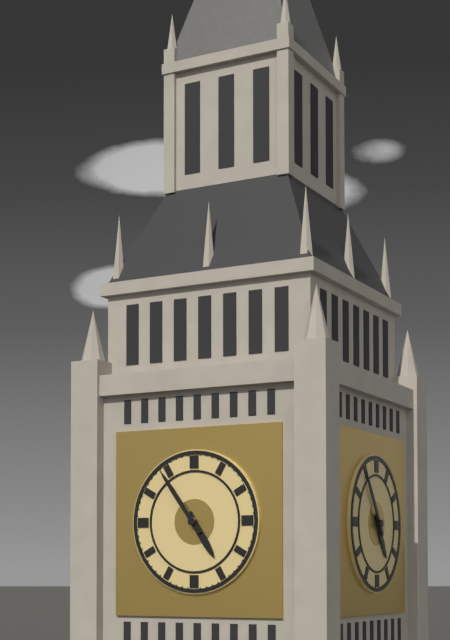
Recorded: {"hour": 4, "minute": 54}
